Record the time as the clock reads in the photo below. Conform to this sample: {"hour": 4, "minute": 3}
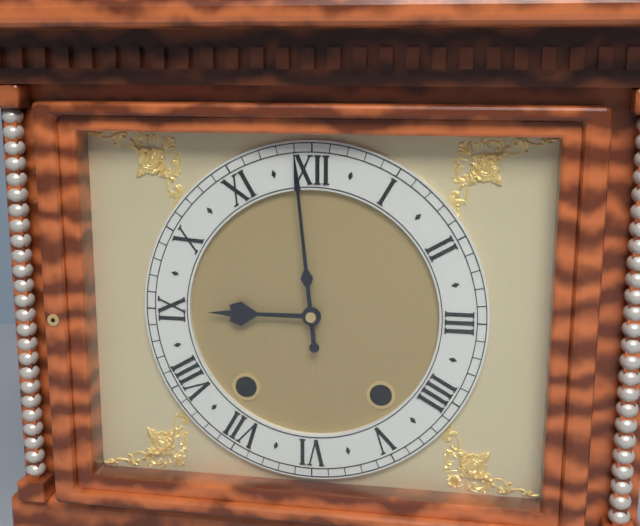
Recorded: {"hour": 8, "minute": 59}
